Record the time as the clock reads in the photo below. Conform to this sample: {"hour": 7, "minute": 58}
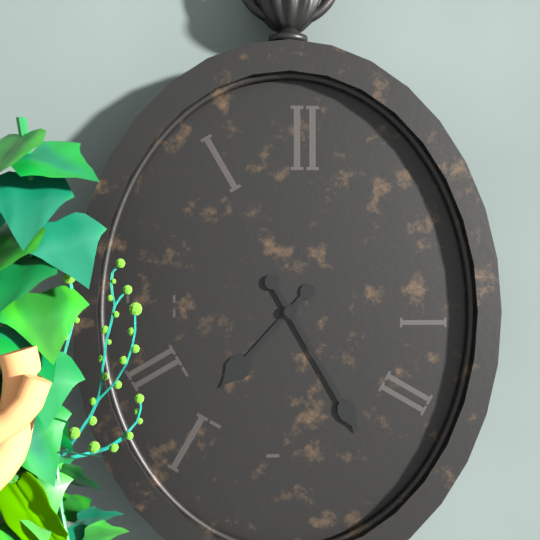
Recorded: {"hour": 7, "minute": 25}
